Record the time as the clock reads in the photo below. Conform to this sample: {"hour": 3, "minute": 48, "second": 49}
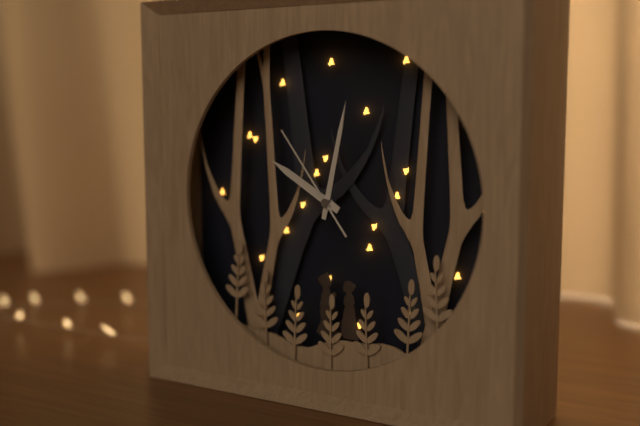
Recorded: {"hour": 10, "minute": 2, "second": 54}
